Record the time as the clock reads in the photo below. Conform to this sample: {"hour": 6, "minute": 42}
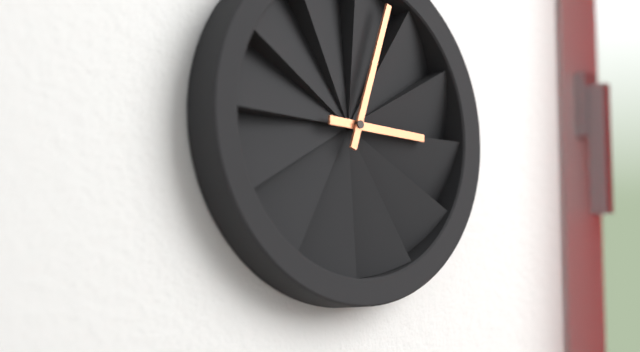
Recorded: {"hour": 3, "minute": 3}
